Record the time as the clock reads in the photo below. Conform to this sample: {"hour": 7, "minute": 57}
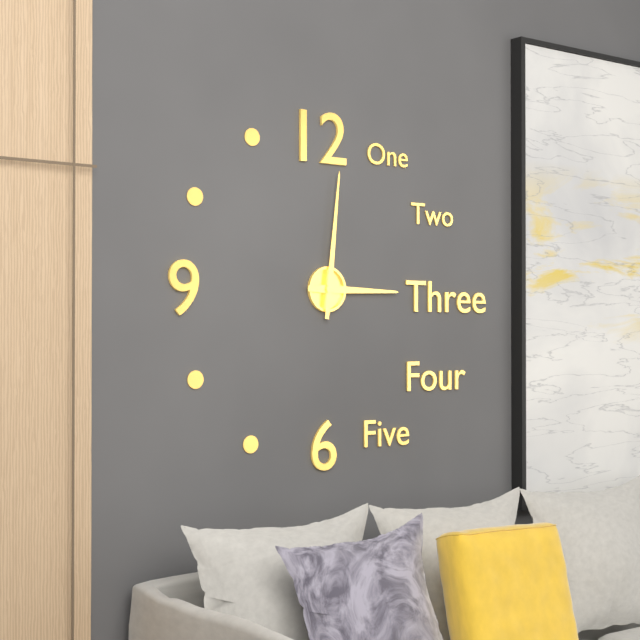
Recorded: {"hour": 3, "minute": 1}
